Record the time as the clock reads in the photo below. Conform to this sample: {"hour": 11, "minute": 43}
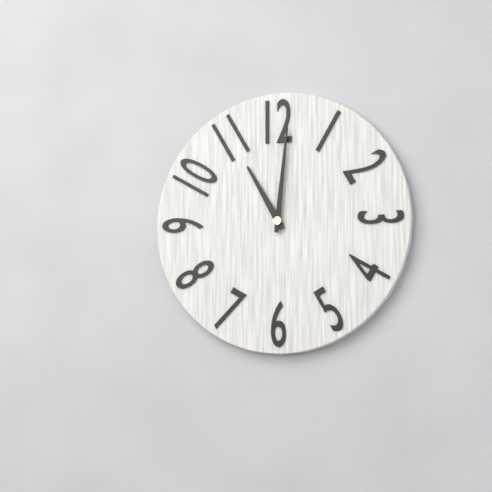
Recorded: {"hour": 11, "minute": 1}
